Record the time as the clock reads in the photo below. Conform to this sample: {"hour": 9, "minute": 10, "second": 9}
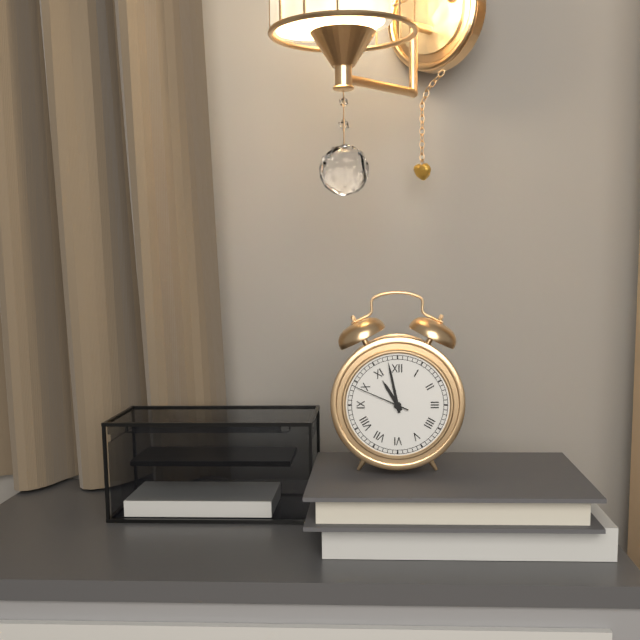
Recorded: {"hour": 10, "minute": 58, "second": 49}
